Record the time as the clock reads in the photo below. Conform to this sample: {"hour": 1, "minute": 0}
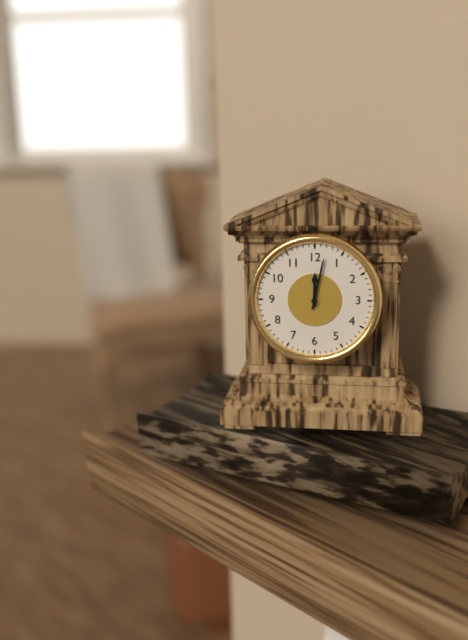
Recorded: {"hour": 12, "minute": 2}
